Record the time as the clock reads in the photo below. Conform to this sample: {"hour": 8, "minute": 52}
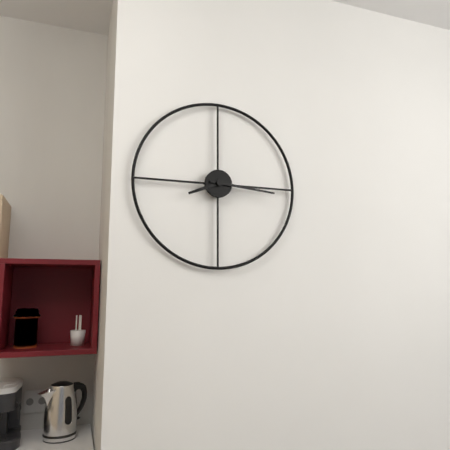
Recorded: {"hour": 8, "minute": 16}
